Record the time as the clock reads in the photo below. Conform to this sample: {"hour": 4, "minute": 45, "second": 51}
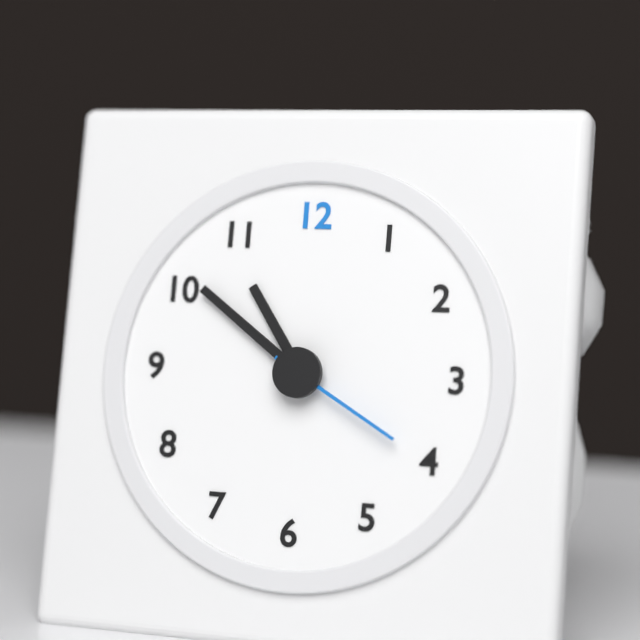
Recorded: {"hour": 10, "minute": 51, "second": 20}
